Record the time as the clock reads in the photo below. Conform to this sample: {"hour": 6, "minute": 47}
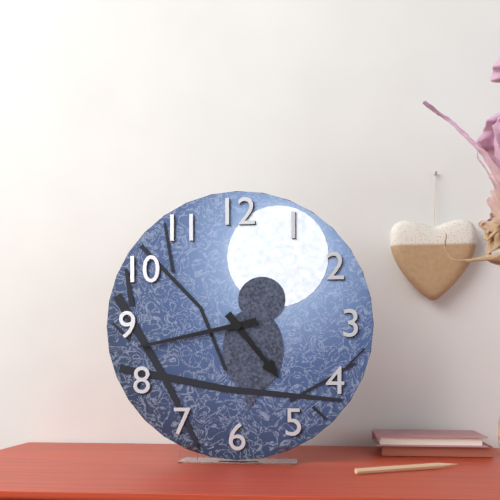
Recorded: {"hour": 4, "minute": 43}
